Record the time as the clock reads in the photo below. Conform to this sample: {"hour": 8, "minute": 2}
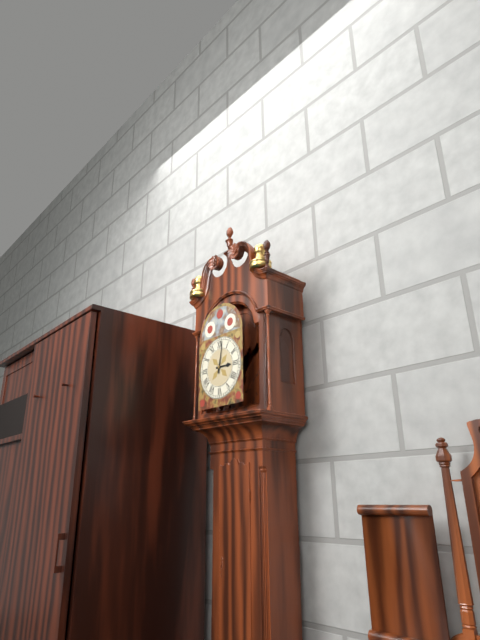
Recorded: {"hour": 3, "minute": 2}
